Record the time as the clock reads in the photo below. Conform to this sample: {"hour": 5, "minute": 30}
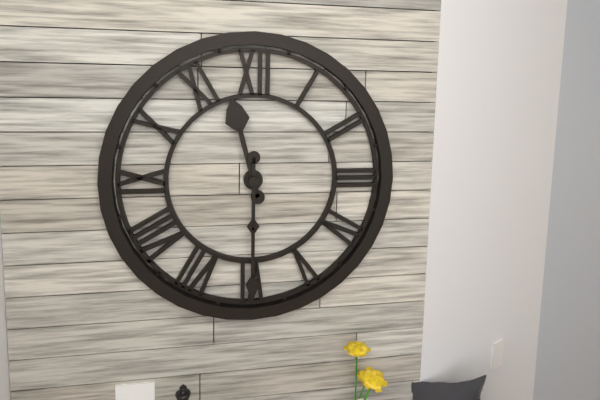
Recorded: {"hour": 11, "minute": 30}
